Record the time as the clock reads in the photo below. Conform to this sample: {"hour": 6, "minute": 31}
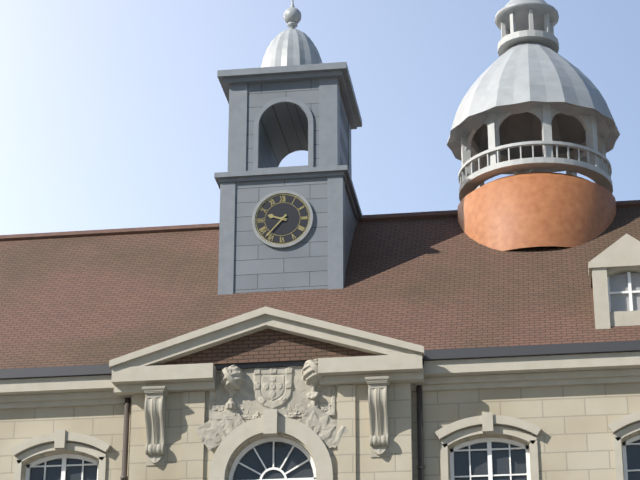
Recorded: {"hour": 9, "minute": 37}
